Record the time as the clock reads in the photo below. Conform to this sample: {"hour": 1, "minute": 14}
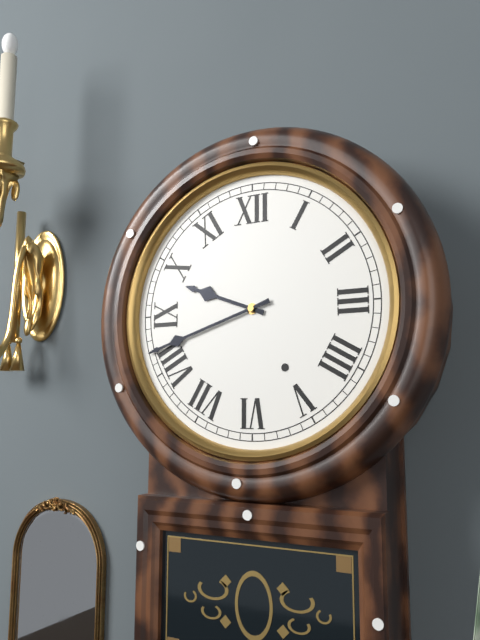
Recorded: {"hour": 9, "minute": 42}
